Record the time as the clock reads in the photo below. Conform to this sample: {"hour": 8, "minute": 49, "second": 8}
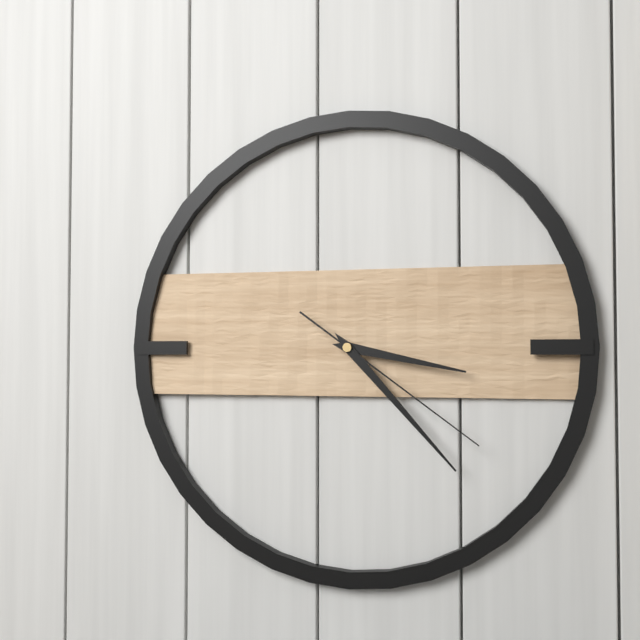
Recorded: {"hour": 3, "minute": 23, "second": 21}
